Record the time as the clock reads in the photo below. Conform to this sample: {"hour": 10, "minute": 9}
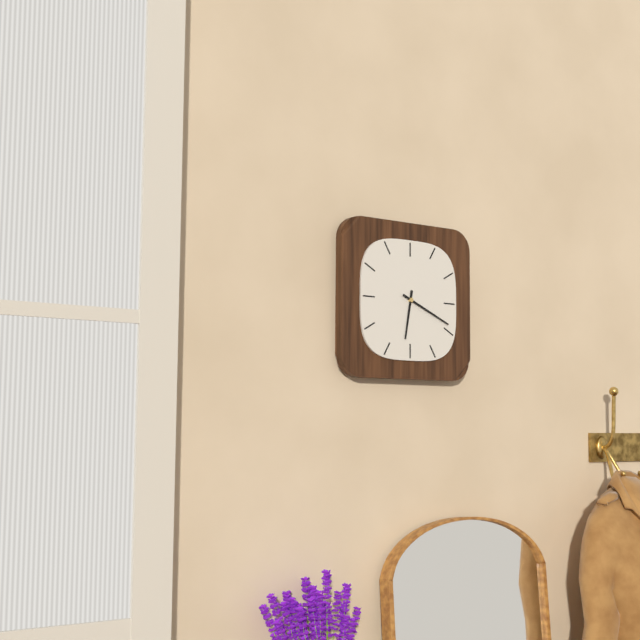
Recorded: {"hour": 6, "minute": 19}
